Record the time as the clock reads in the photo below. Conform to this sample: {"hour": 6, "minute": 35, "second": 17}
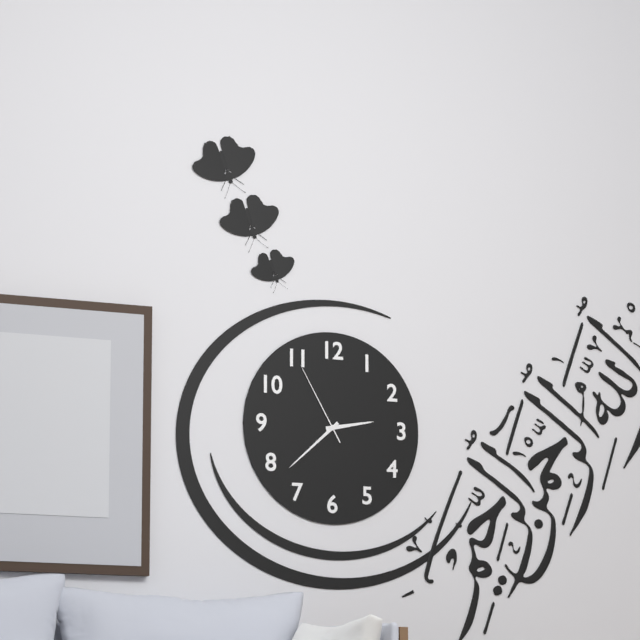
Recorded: {"hour": 2, "minute": 38, "second": 55}
